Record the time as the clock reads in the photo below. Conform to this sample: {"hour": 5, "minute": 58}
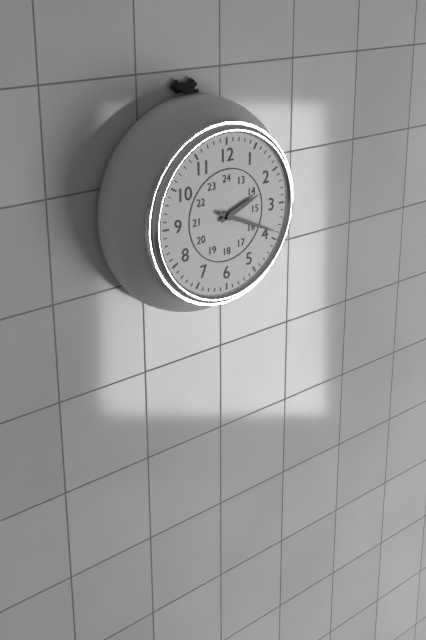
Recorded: {"hour": 2, "minute": 19}
